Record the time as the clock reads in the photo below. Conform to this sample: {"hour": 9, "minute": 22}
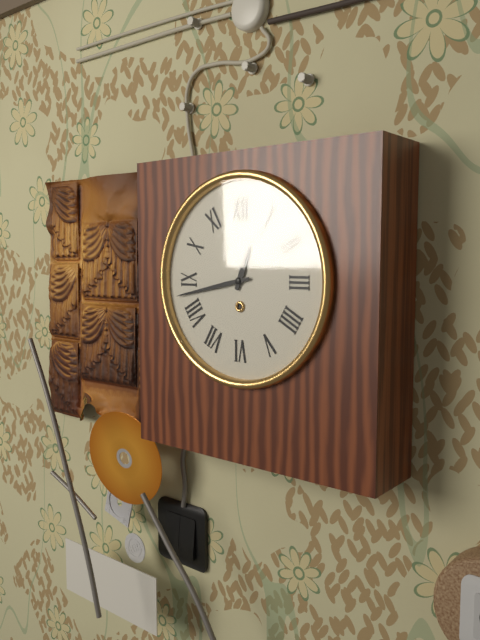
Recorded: {"hour": 12, "minute": 43}
